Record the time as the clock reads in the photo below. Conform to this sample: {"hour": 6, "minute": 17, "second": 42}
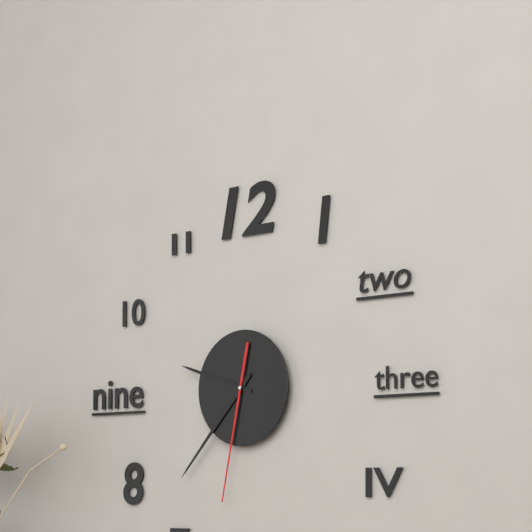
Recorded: {"hour": 9, "minute": 37, "second": 32}
